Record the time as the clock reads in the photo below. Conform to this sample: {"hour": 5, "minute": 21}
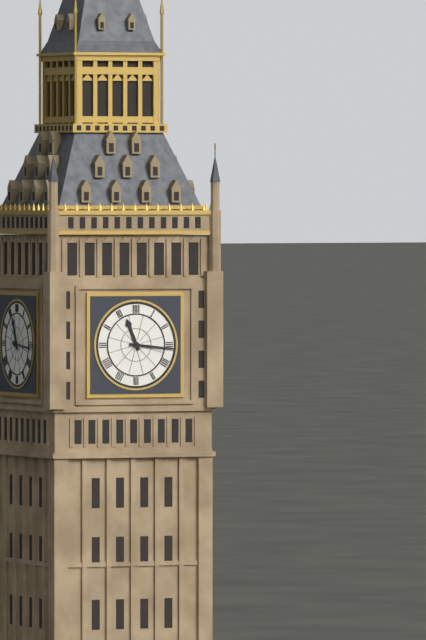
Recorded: {"hour": 11, "minute": 16}
